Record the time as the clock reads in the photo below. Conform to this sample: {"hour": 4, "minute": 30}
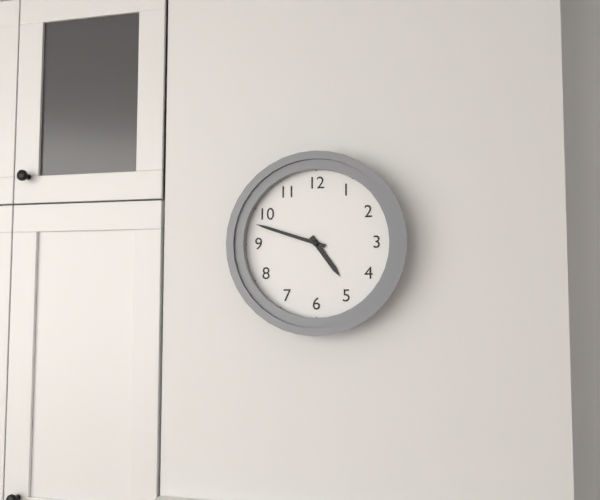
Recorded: {"hour": 4, "minute": 48}
